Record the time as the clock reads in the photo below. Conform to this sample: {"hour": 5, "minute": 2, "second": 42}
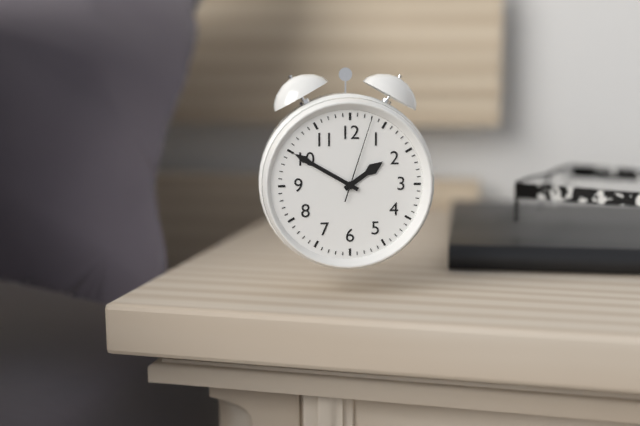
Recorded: {"hour": 1, "minute": 50, "second": 3}
